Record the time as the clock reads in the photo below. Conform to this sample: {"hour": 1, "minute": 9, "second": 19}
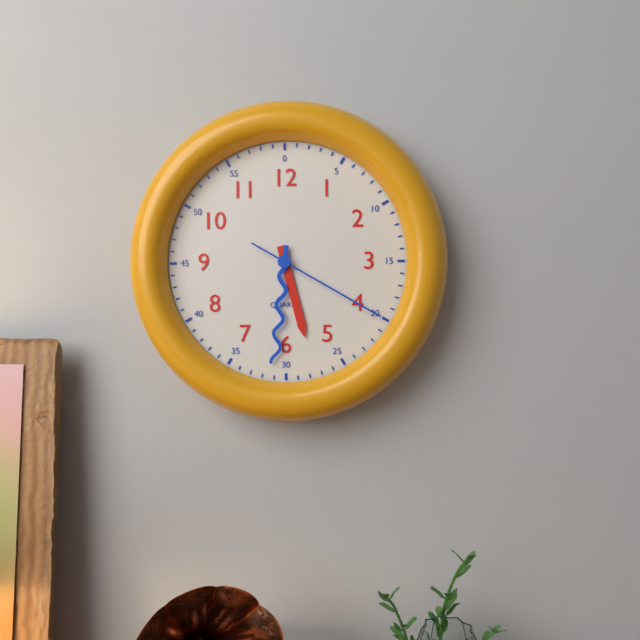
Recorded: {"hour": 5, "minute": 31, "second": 20}
